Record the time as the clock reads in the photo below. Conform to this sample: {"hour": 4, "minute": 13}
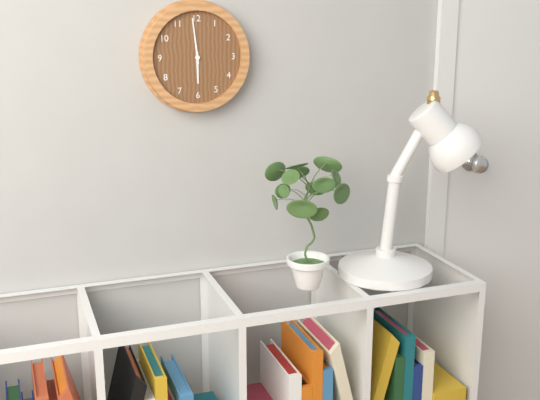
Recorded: {"hour": 5, "minute": 59}
